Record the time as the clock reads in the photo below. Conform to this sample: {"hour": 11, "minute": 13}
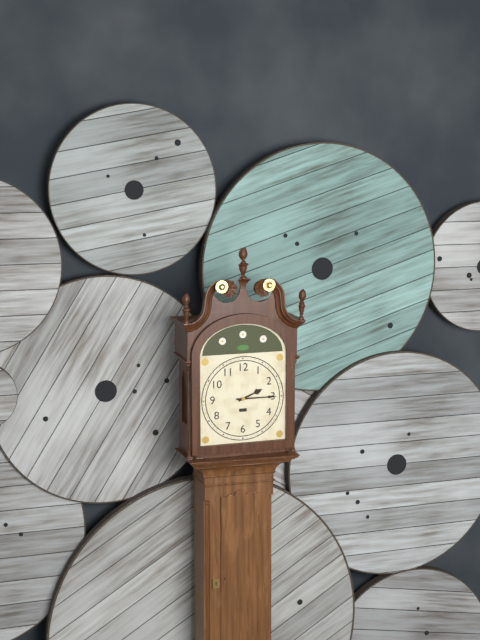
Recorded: {"hour": 2, "minute": 15}
